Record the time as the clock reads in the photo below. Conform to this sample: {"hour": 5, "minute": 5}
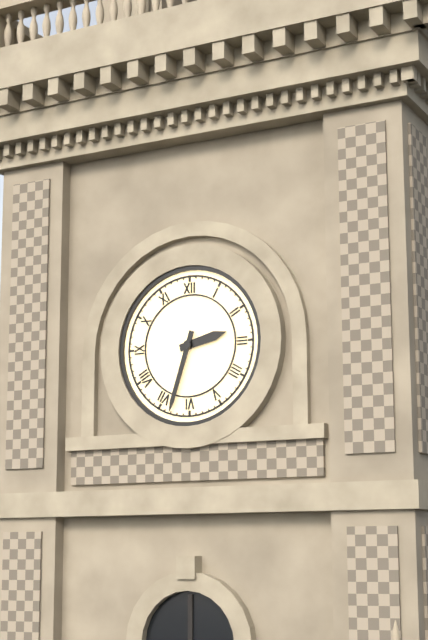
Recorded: {"hour": 2, "minute": 33}
